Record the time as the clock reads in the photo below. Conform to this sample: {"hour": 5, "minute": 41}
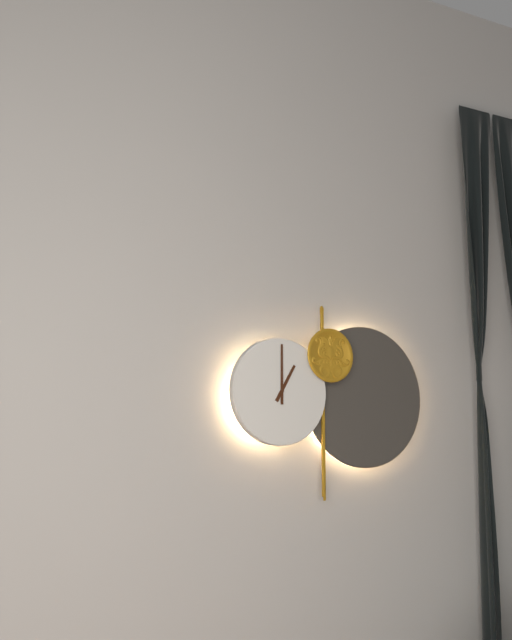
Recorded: {"hour": 1, "minute": 0}
